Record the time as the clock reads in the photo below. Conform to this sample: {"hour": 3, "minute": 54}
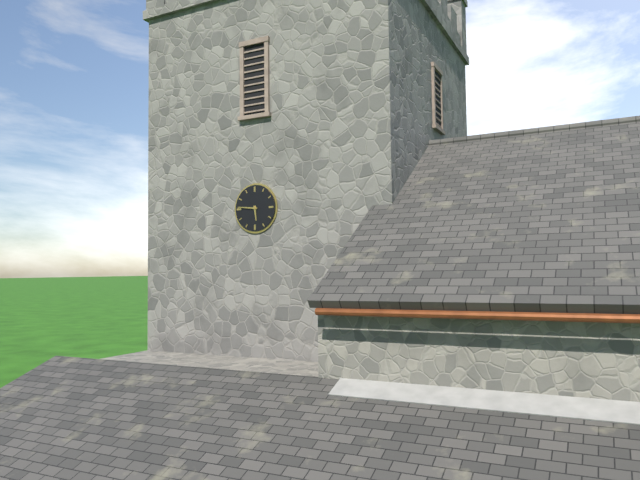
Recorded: {"hour": 5, "minute": 46}
